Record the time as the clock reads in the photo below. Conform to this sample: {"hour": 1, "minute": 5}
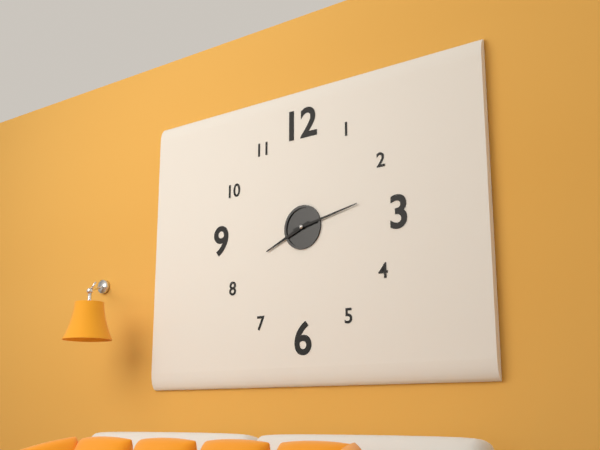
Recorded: {"hour": 8, "minute": 13}
